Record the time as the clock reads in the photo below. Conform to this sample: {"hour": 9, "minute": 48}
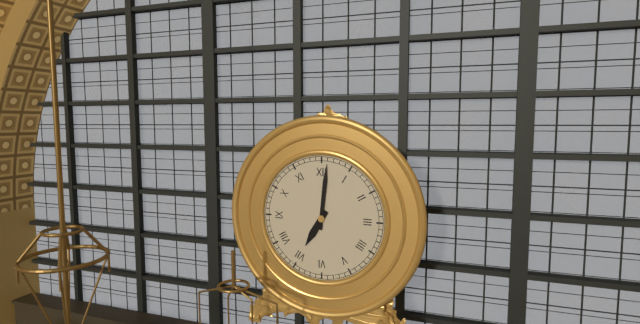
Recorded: {"hour": 7, "minute": 1}
